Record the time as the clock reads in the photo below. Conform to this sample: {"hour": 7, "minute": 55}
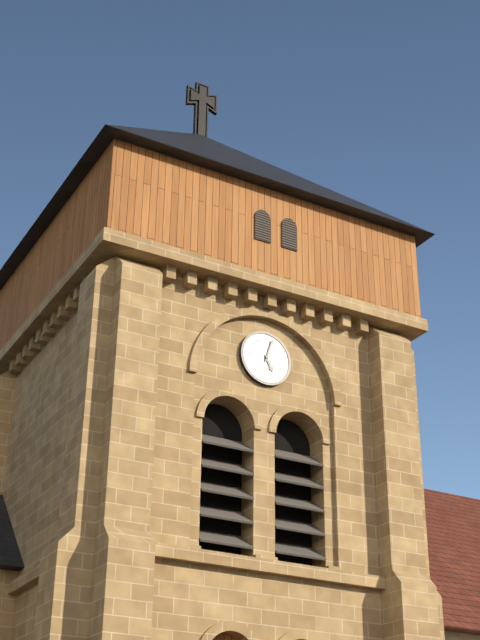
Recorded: {"hour": 5, "minute": 3}
